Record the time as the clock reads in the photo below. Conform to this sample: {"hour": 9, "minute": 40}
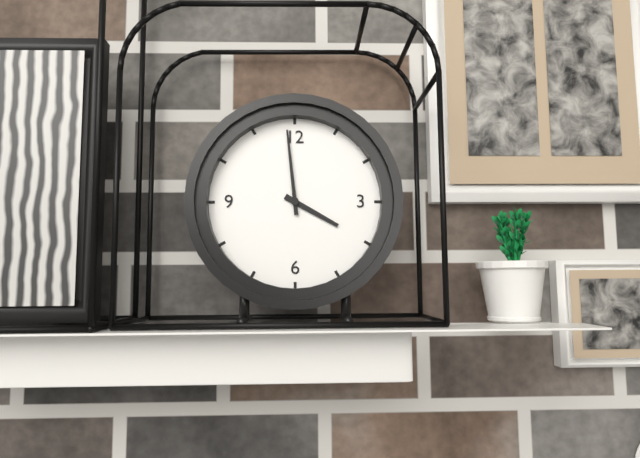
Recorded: {"hour": 3, "minute": 59}
